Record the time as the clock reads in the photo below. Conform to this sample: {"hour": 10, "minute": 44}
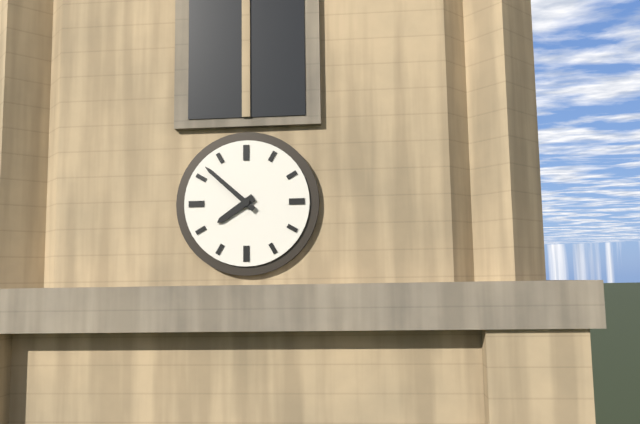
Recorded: {"hour": 7, "minute": 52}
